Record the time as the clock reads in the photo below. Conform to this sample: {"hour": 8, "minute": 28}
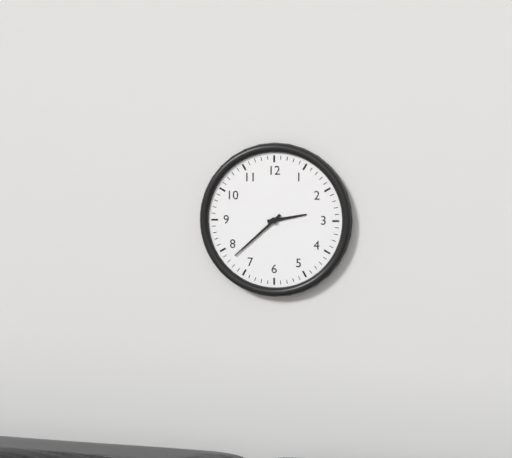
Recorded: {"hour": 2, "minute": 38}
